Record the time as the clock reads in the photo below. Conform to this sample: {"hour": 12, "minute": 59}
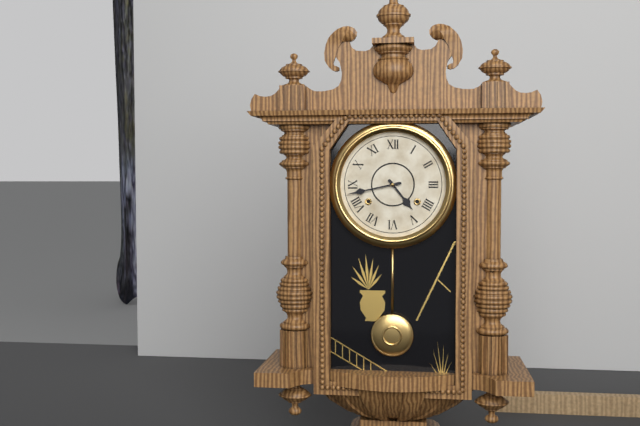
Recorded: {"hour": 4, "minute": 43}
